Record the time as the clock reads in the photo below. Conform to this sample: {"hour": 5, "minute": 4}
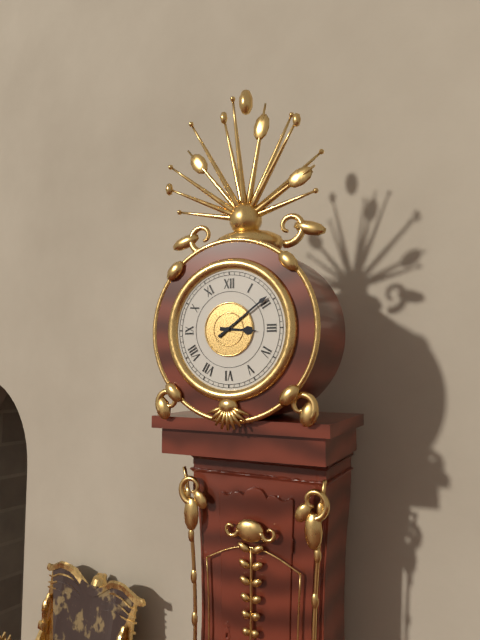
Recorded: {"hour": 3, "minute": 9}
